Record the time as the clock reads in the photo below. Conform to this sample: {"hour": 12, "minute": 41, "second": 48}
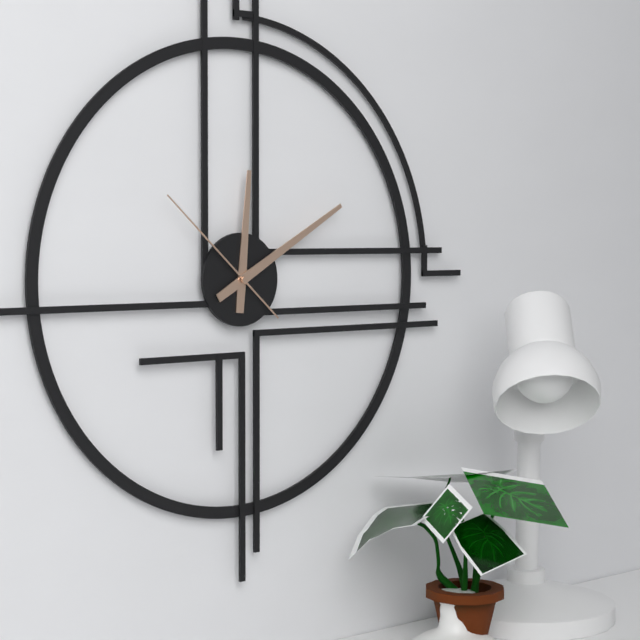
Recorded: {"hour": 12, "minute": 10, "second": 52}
